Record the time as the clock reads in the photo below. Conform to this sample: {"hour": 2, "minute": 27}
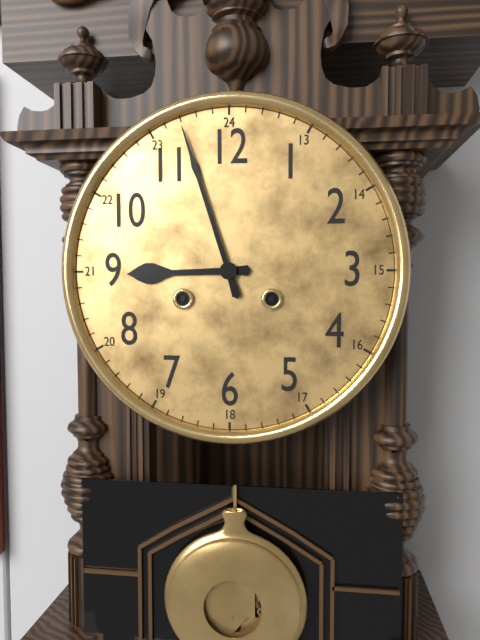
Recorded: {"hour": 8, "minute": 57}
